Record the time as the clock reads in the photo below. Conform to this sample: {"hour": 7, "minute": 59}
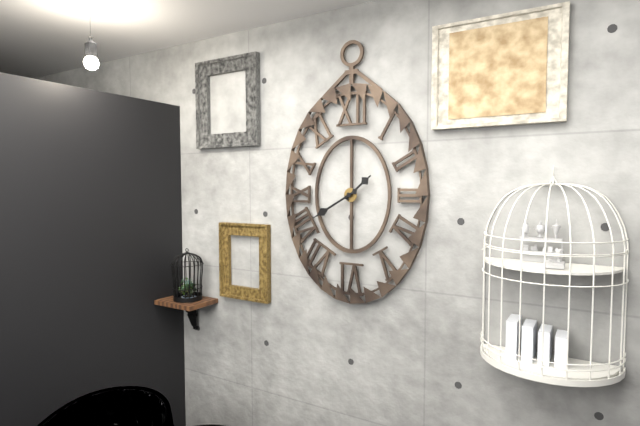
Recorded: {"hour": 1, "minute": 40}
